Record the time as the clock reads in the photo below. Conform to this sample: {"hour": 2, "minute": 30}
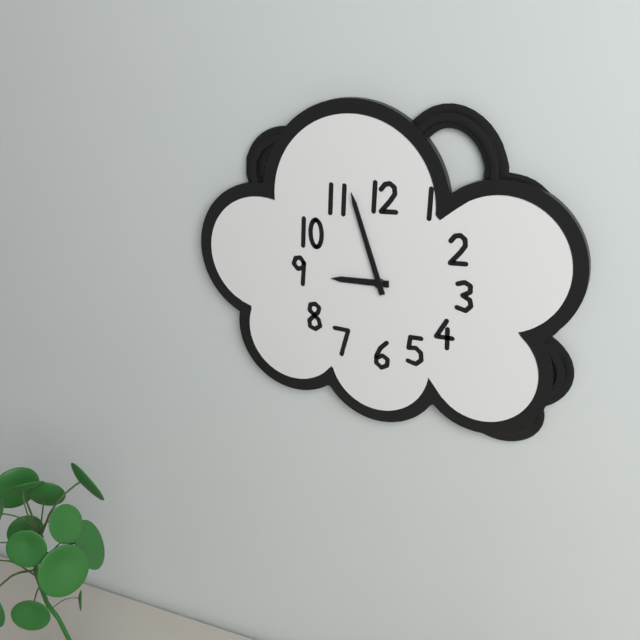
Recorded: {"hour": 8, "minute": 57}
